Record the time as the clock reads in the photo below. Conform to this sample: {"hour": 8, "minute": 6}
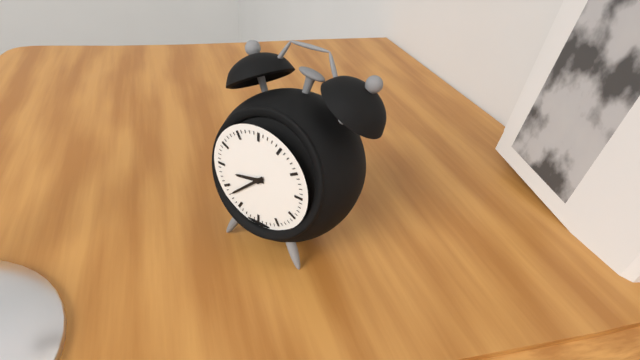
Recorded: {"hour": 8, "minute": 38}
